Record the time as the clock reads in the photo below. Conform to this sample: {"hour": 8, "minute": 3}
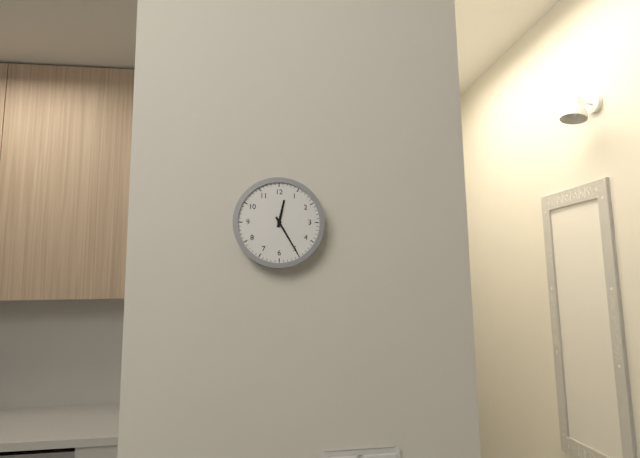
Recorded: {"hour": 12, "minute": 25}
